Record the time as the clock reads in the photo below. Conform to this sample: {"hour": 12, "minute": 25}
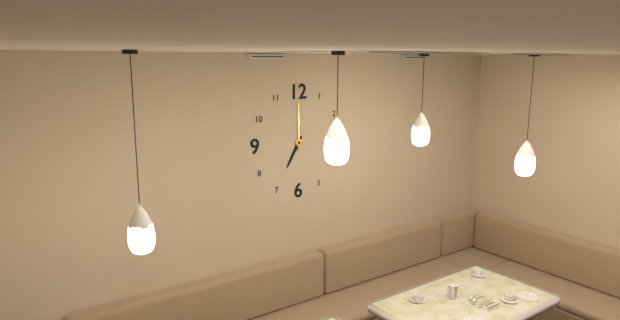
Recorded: {"hour": 7, "minute": 0}
